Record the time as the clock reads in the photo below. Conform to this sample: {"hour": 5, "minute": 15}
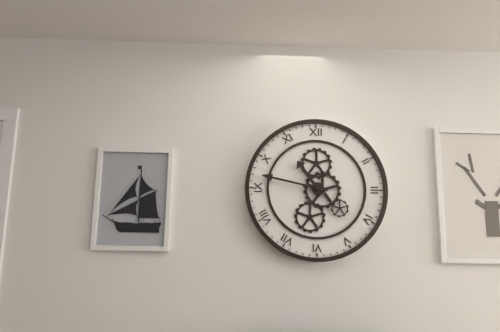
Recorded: {"hour": 10, "minute": 47}
